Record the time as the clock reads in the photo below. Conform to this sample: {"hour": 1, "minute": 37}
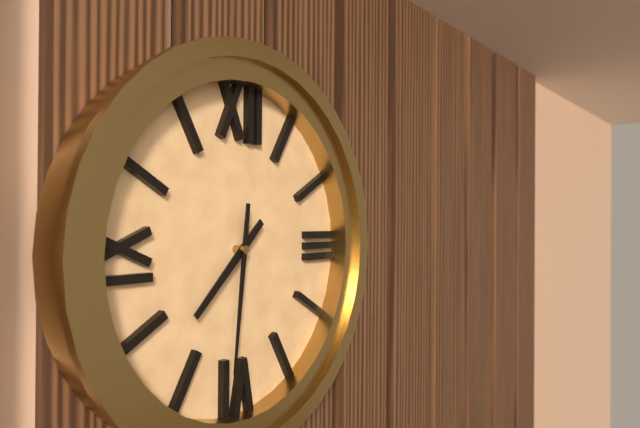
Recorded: {"hour": 7, "minute": 31}
